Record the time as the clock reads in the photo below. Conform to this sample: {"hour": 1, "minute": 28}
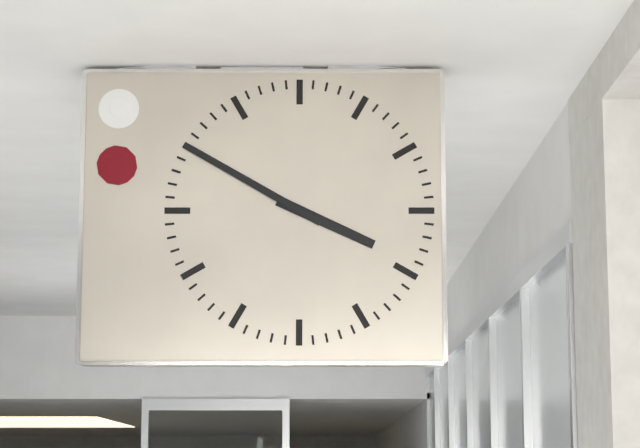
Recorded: {"hour": 3, "minute": 50}
